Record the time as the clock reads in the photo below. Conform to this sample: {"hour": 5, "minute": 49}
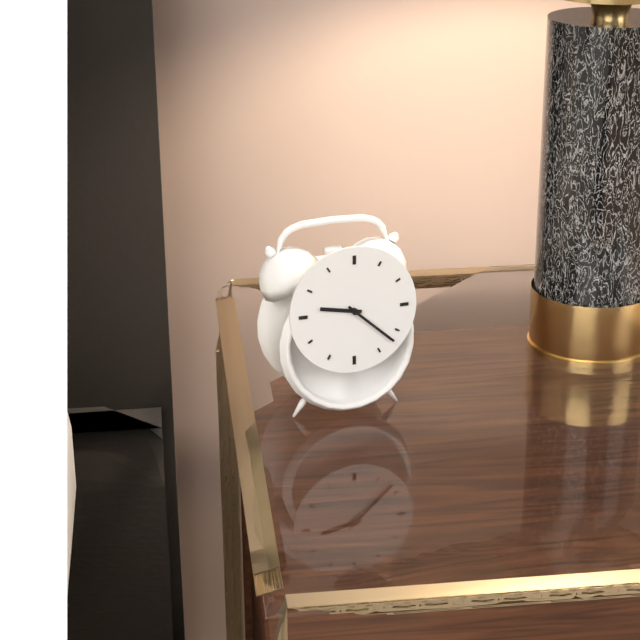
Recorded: {"hour": 9, "minute": 22}
